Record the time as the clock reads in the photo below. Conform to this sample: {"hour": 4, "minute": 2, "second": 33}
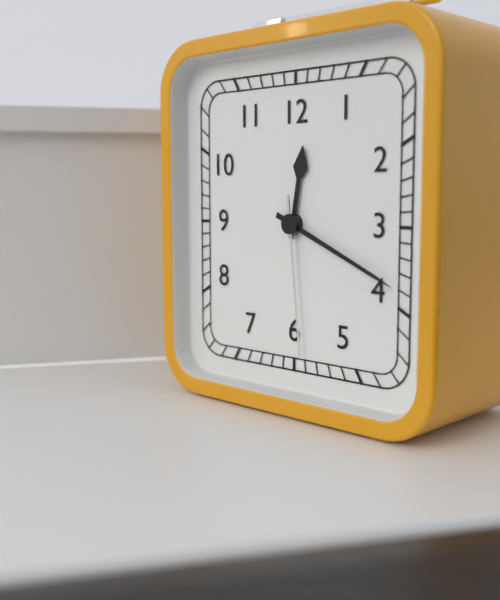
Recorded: {"hour": 12, "minute": 19, "second": 29}
